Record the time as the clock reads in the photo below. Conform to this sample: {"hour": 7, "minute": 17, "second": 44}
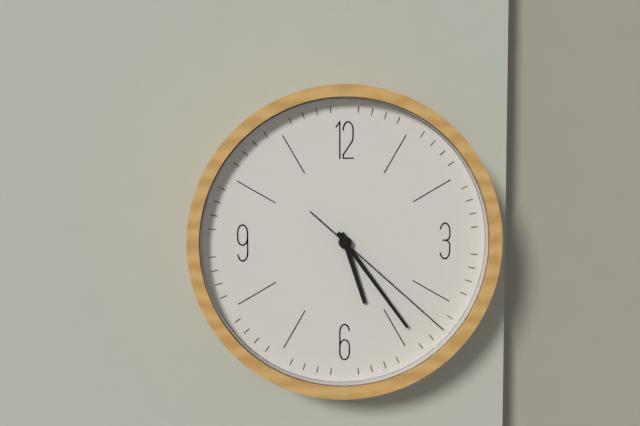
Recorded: {"hour": 5, "minute": 24, "second": 22}
